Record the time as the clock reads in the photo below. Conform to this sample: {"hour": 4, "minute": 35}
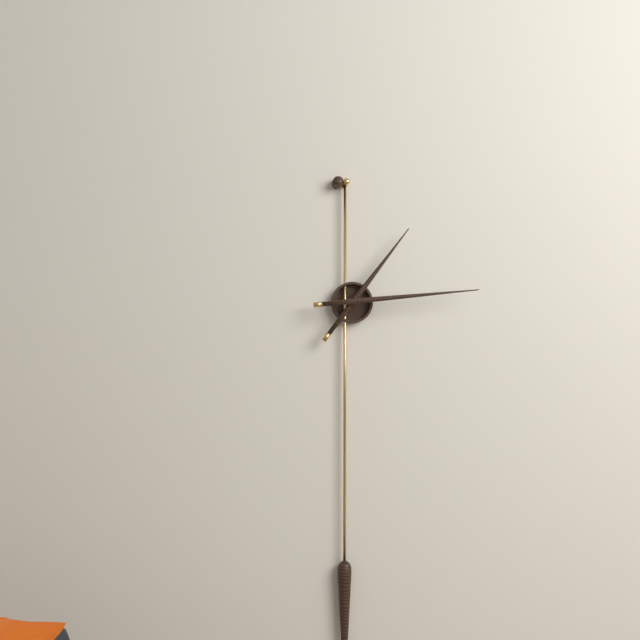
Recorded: {"hour": 1, "minute": 14}
